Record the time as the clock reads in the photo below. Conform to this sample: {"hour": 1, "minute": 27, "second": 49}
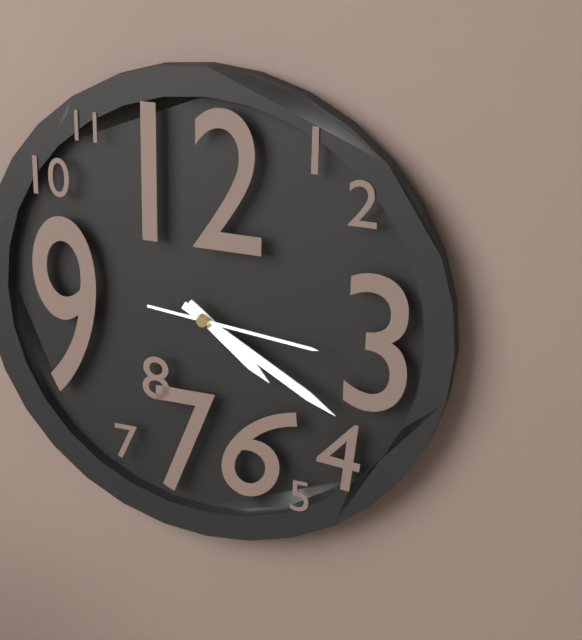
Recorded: {"hour": 4, "minute": 20, "second": 16}
